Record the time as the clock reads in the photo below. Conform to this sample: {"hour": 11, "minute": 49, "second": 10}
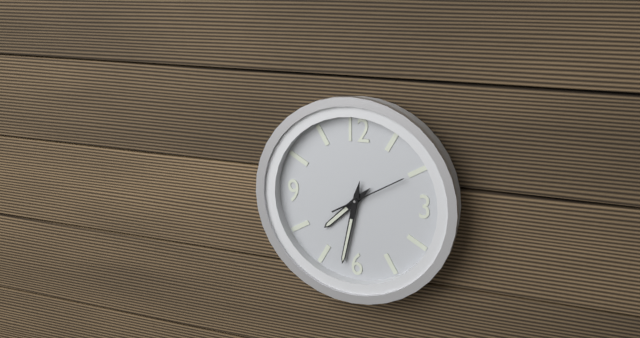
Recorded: {"hour": 7, "minute": 32, "second": 10}
